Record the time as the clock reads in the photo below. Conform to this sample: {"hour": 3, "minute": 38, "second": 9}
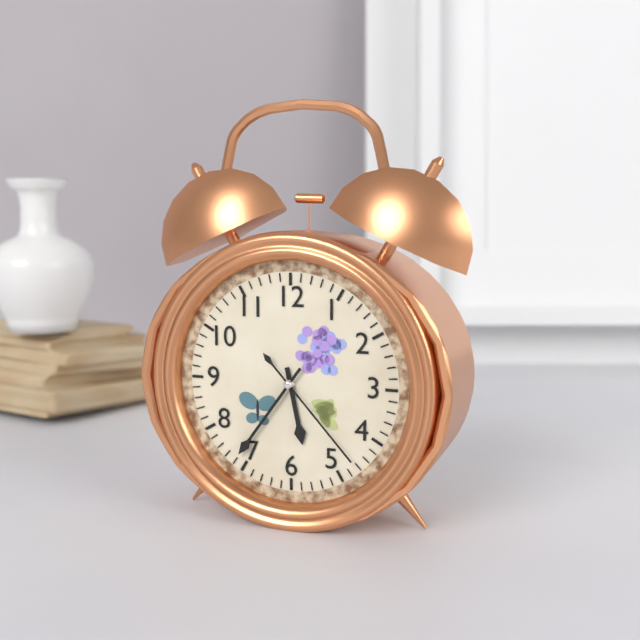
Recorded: {"hour": 5, "minute": 36, "second": 23}
